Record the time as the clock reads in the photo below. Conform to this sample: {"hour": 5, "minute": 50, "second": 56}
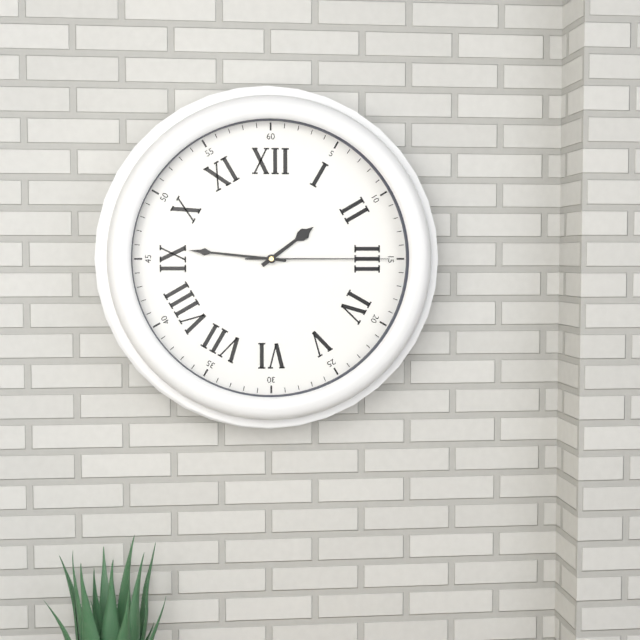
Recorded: {"hour": 1, "minute": 46, "second": 15}
